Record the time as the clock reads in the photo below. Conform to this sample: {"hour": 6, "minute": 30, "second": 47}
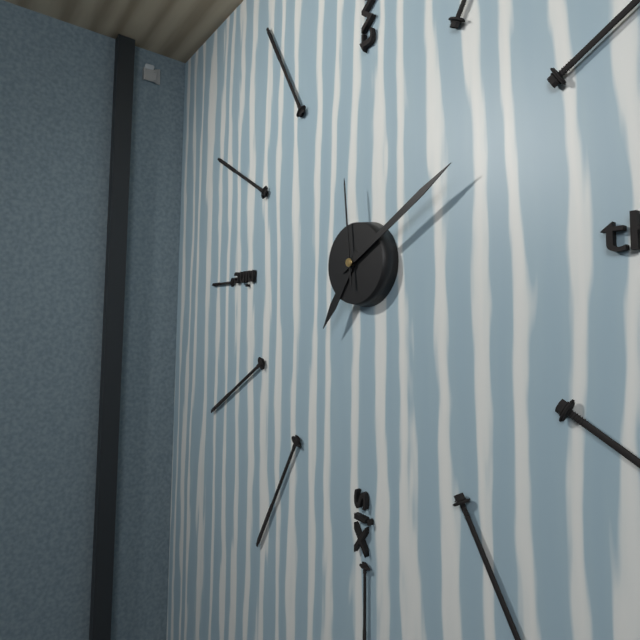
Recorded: {"hour": 7, "minute": 10, "second": 59}
